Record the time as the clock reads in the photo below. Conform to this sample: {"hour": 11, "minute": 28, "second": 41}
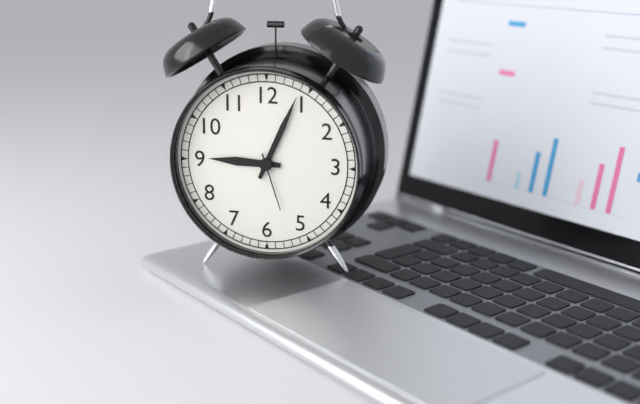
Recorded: {"hour": 9, "minute": 4, "second": 27}
